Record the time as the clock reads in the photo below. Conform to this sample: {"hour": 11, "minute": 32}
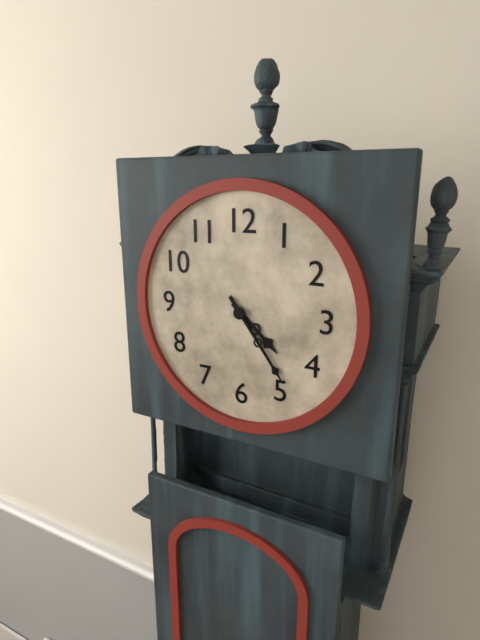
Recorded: {"hour": 4, "minute": 24}
